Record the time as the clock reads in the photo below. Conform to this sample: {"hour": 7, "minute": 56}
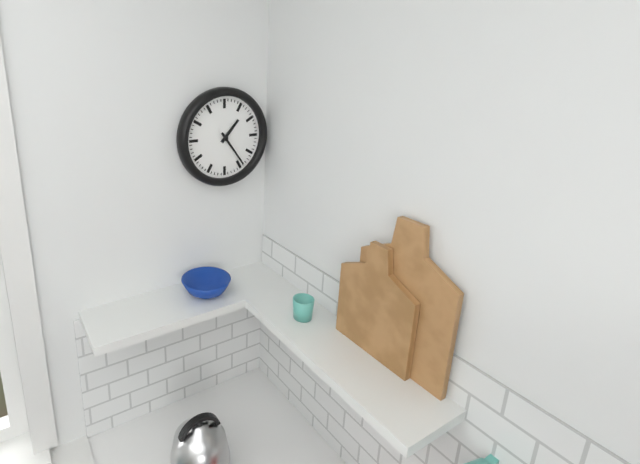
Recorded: {"hour": 1, "minute": 24}
